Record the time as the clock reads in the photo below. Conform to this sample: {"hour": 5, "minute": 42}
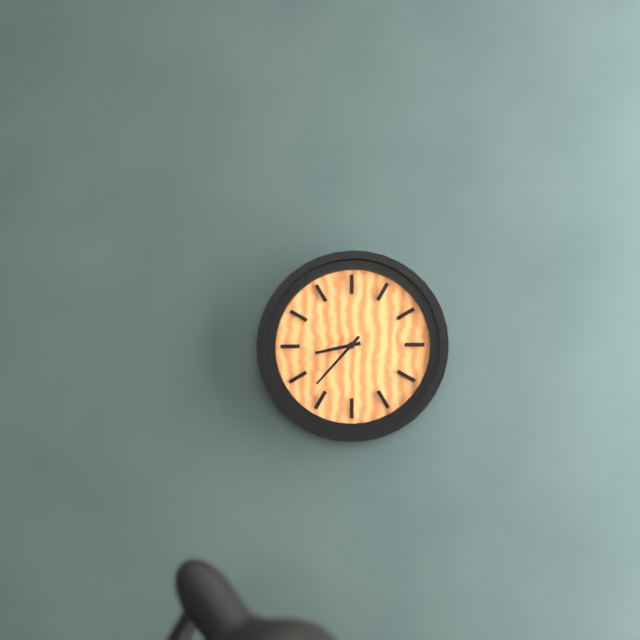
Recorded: {"hour": 8, "minute": 37}
